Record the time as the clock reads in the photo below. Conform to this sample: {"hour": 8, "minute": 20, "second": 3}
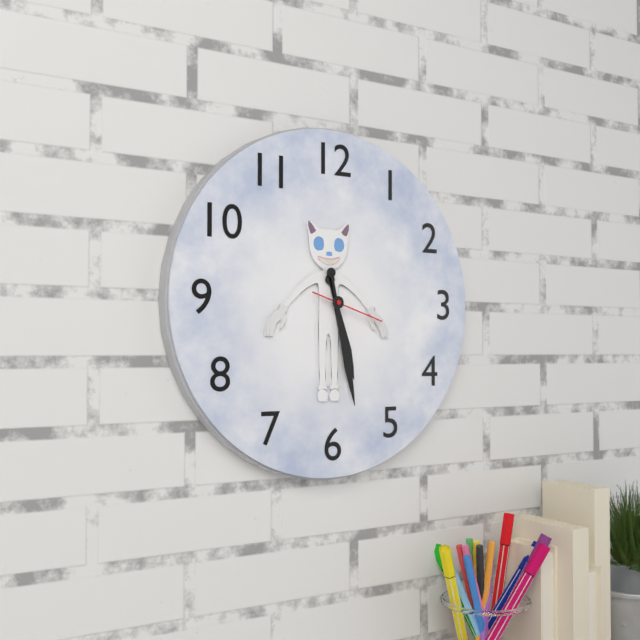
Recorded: {"hour": 5, "minute": 28, "second": 18}
